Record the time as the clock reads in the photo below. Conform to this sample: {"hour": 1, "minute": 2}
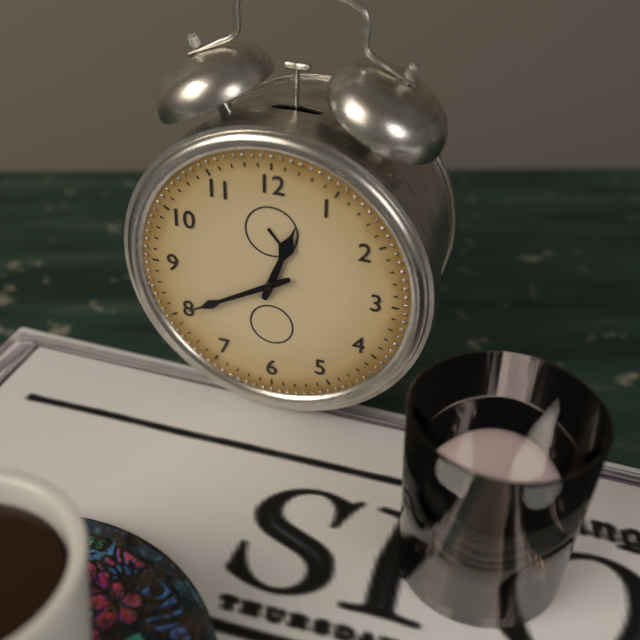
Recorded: {"hour": 12, "minute": 40}
